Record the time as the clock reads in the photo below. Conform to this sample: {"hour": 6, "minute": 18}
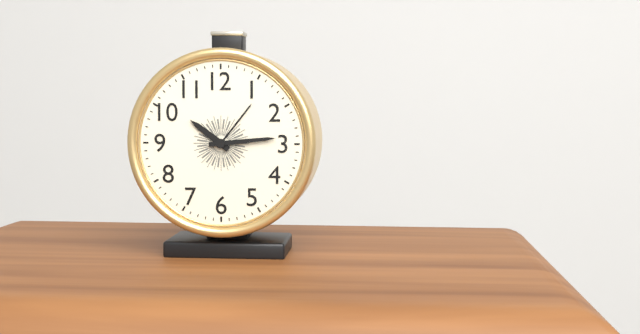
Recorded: {"hour": 10, "minute": 14}
